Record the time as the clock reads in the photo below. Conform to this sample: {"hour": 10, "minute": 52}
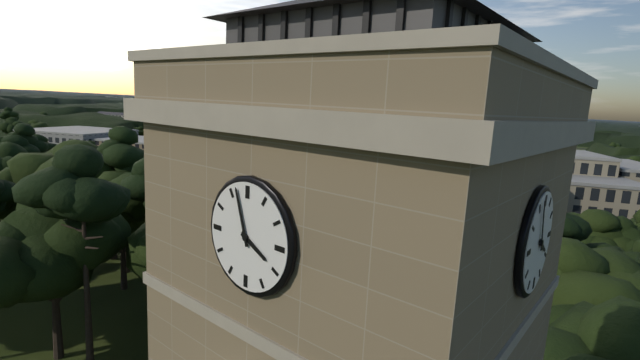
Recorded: {"hour": 3, "minute": 57}
